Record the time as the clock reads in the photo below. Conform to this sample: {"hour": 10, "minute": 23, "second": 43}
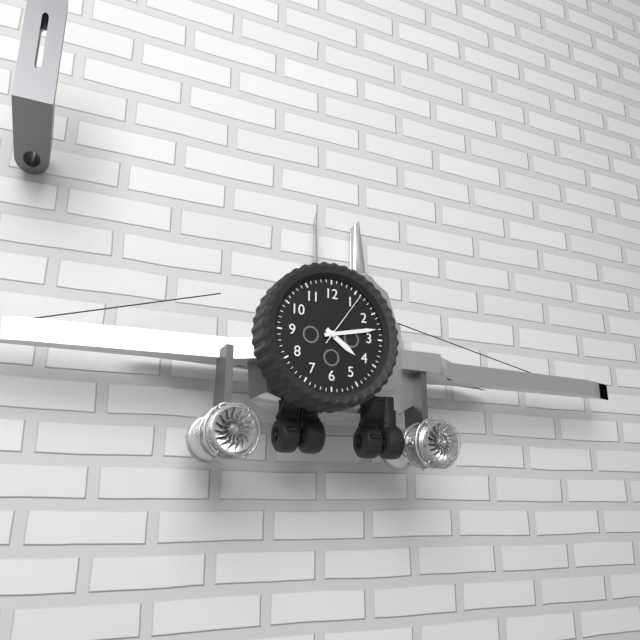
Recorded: {"hour": 4, "minute": 13, "second": 6}
